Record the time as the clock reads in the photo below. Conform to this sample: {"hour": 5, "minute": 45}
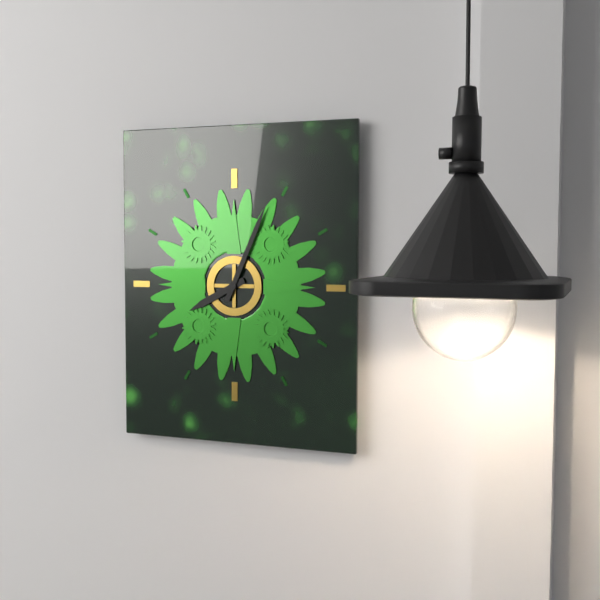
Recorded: {"hour": 8, "minute": 4}
